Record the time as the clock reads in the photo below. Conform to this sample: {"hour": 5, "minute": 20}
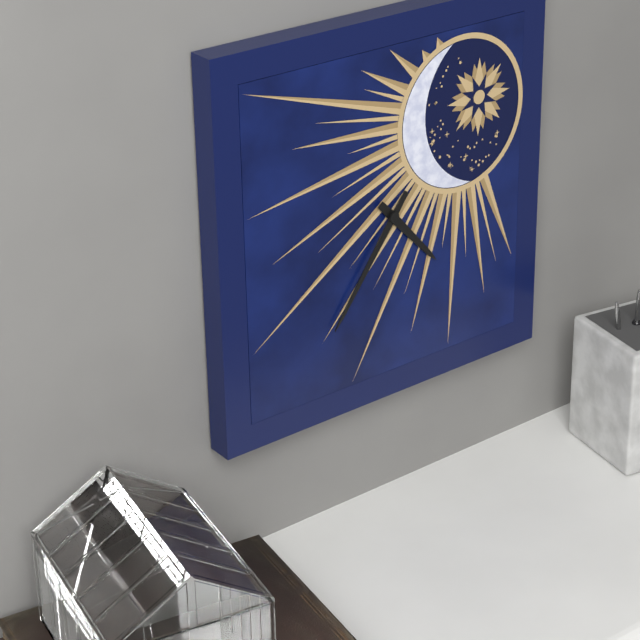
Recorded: {"hour": 4, "minute": 36}
